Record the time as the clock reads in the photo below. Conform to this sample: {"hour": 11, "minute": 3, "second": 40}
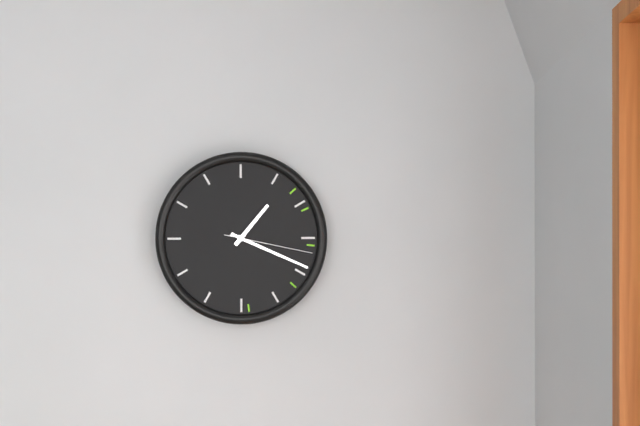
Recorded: {"hour": 1, "minute": 19, "second": 17}
